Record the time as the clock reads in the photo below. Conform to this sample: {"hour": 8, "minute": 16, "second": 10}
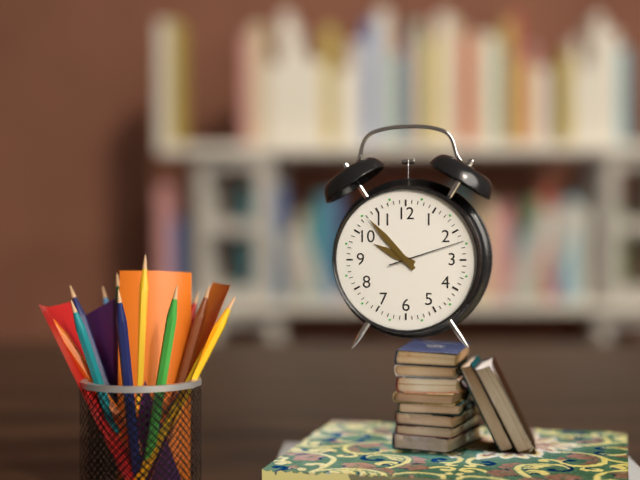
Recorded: {"hour": 9, "minute": 53, "second": 12}
